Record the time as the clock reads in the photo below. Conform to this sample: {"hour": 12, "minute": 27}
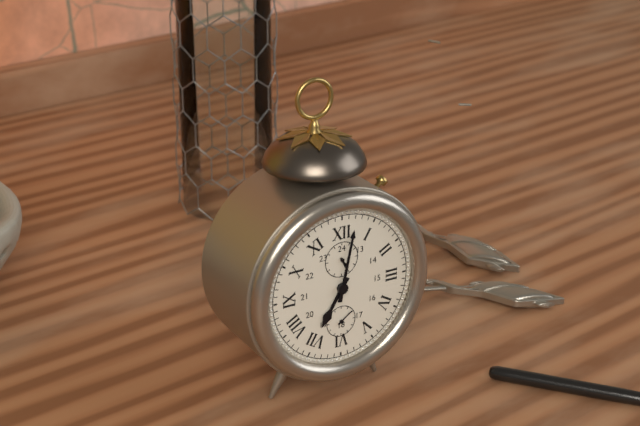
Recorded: {"hour": 7, "minute": 2}
